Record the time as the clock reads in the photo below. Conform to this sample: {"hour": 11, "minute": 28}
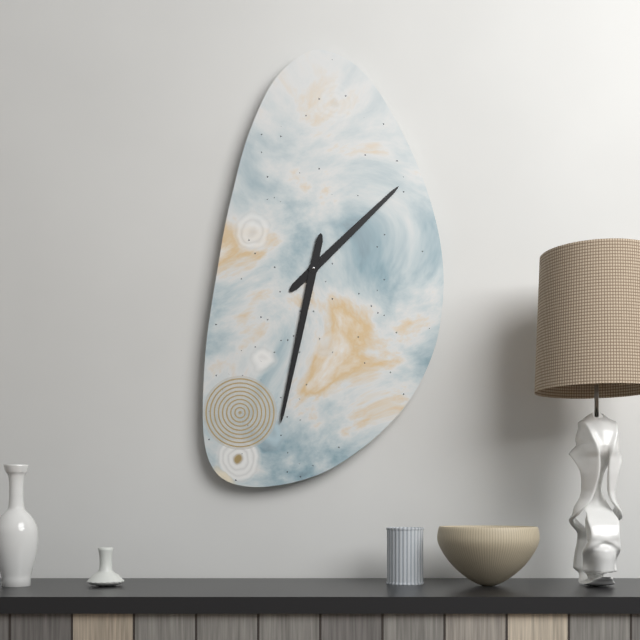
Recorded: {"hour": 1, "minute": 32}
